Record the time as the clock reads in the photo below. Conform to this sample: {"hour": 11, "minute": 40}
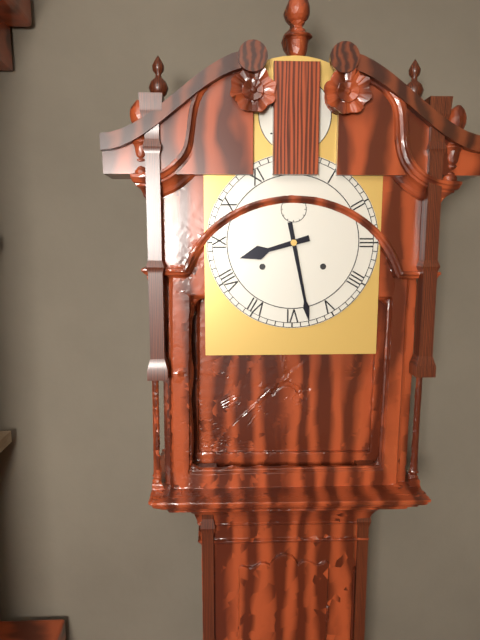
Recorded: {"hour": 8, "minute": 28}
